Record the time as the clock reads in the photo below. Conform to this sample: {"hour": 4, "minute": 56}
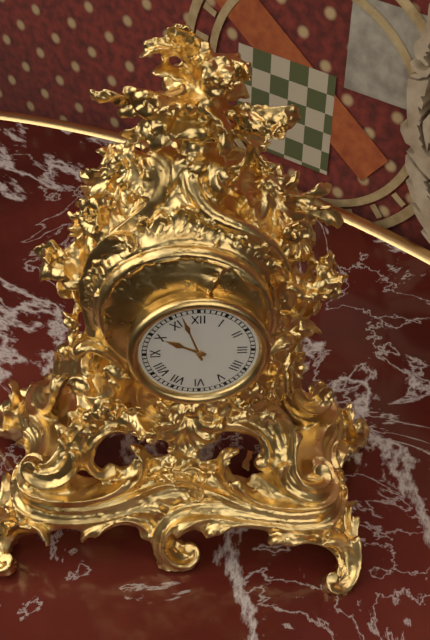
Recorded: {"hour": 9, "minute": 57}
